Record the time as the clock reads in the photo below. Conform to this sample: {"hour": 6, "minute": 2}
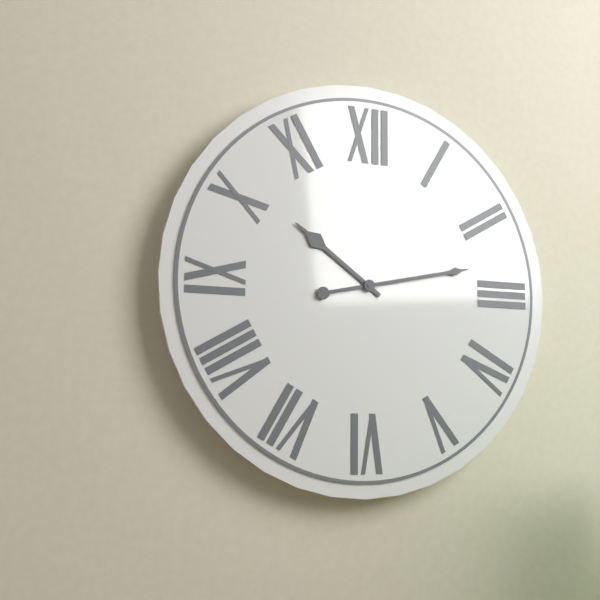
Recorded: {"hour": 10, "minute": 13}
